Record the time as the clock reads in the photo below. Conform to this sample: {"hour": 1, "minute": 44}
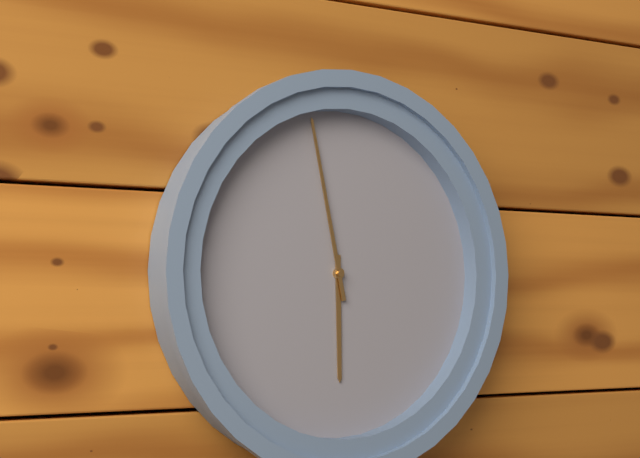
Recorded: {"hour": 5, "minute": 58}
